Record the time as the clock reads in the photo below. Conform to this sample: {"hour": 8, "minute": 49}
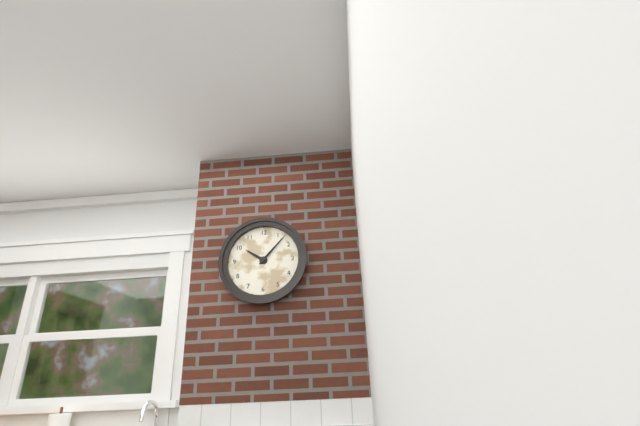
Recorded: {"hour": 10, "minute": 7}
